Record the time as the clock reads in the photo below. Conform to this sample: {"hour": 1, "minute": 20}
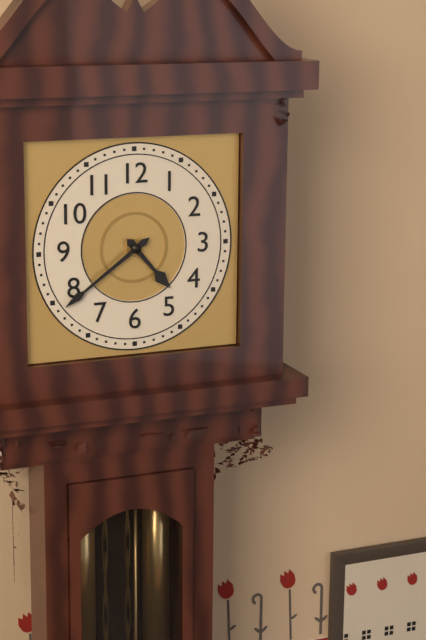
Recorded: {"hour": 4, "minute": 39}
